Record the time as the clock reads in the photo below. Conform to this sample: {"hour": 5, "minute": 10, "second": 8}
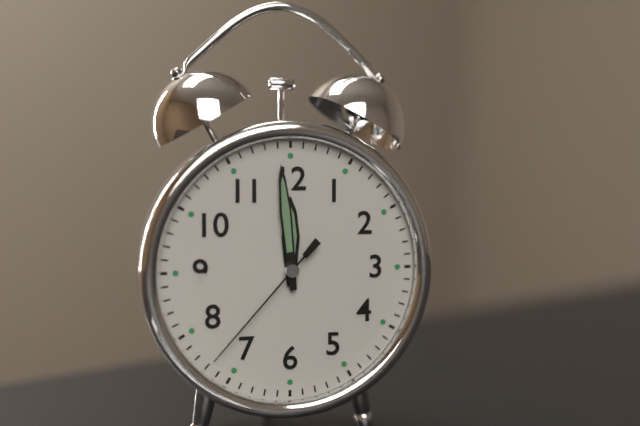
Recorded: {"hour": 11, "minute": 59, "second": 37}
